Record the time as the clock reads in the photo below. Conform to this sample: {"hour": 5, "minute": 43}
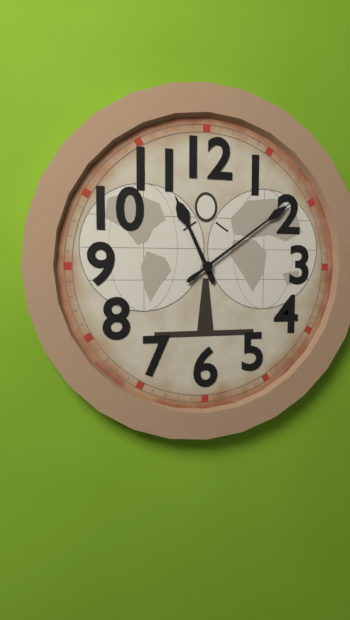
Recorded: {"hour": 11, "minute": 9}
